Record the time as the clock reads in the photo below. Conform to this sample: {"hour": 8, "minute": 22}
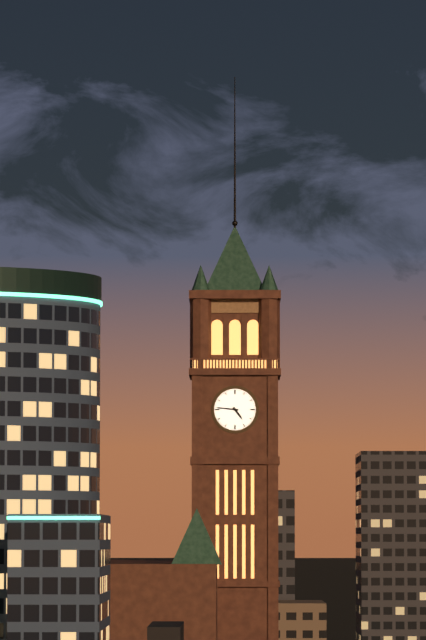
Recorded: {"hour": 4, "minute": 46}
